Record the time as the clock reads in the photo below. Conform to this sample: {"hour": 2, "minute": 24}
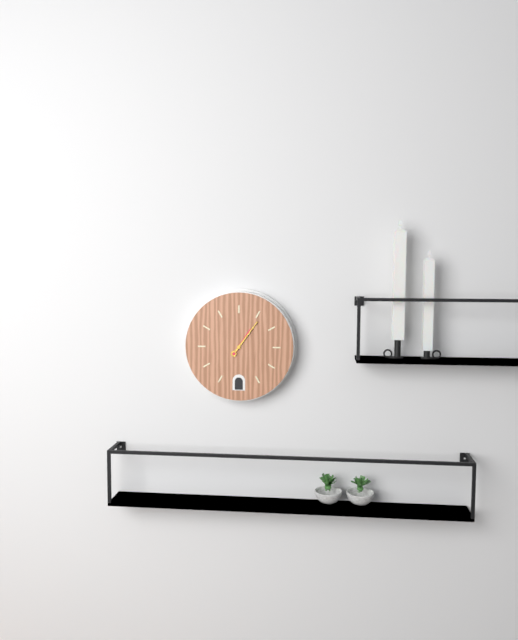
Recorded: {"hour": 1, "minute": 6}
